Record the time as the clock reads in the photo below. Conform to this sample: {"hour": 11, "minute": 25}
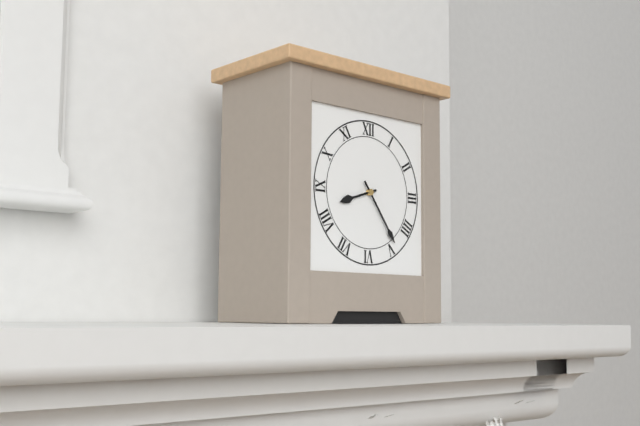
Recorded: {"hour": 8, "minute": 24}
